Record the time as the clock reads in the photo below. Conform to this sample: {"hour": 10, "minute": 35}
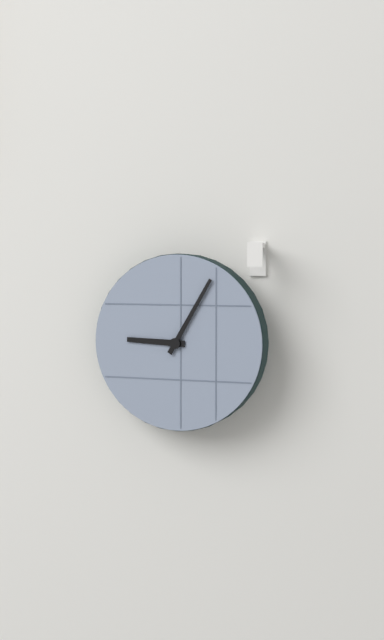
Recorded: {"hour": 9, "minute": 5}
